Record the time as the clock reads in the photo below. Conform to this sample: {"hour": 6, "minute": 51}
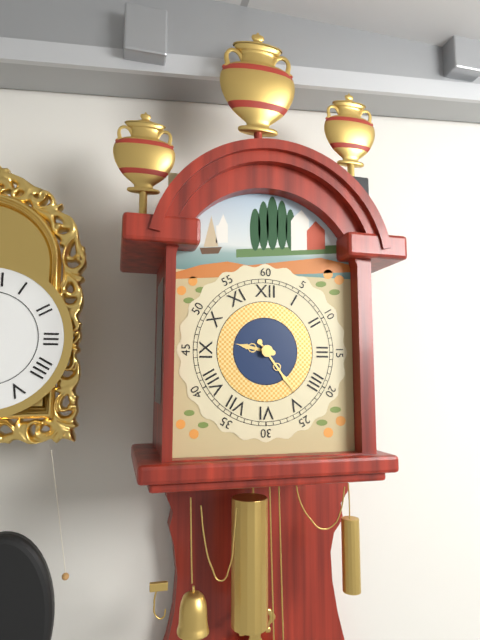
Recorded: {"hour": 9, "minute": 24}
